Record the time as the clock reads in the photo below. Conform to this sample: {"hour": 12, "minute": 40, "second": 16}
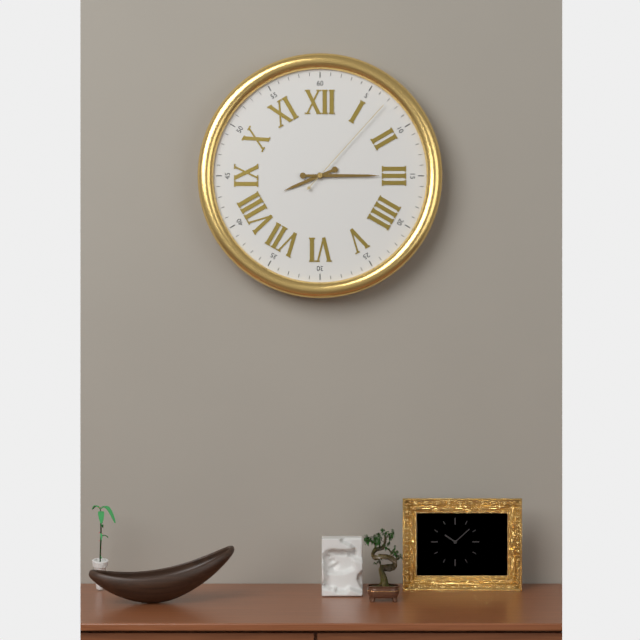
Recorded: {"hour": 8, "minute": 15, "second": 7}
